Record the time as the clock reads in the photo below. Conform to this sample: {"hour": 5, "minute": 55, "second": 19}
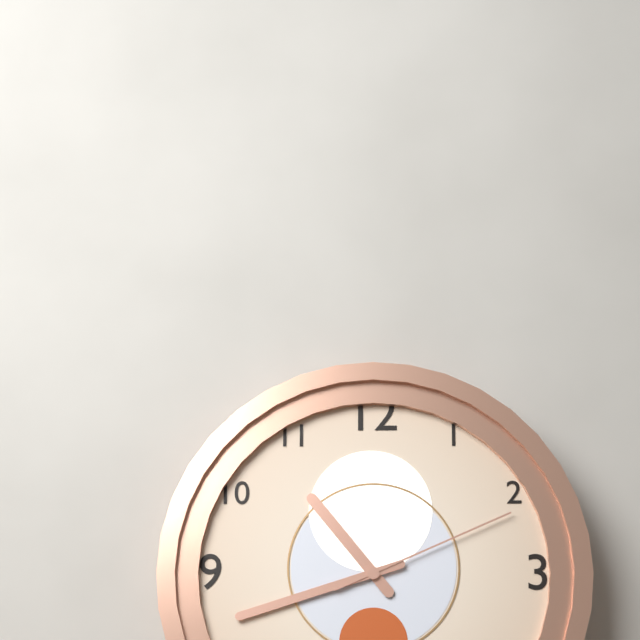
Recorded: {"hour": 10, "minute": 42, "second": 11}
